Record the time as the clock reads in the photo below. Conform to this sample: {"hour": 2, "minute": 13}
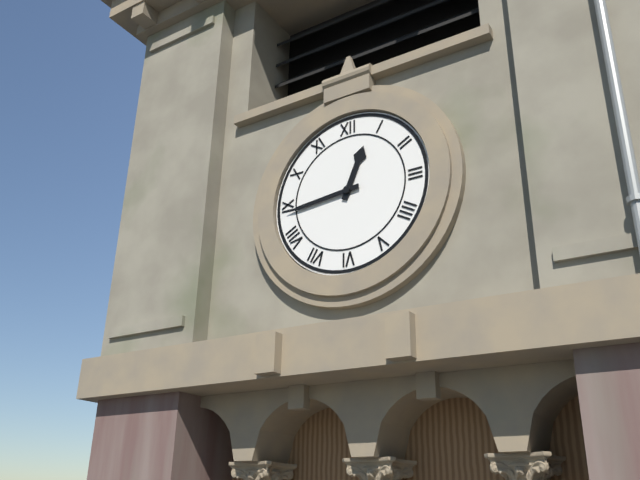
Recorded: {"hour": 12, "minute": 44}
